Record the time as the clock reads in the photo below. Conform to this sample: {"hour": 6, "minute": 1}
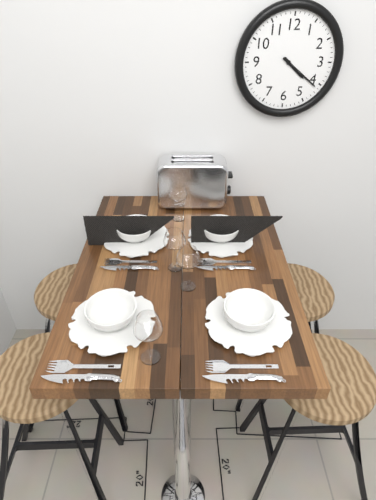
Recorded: {"hour": 4, "minute": 21}
